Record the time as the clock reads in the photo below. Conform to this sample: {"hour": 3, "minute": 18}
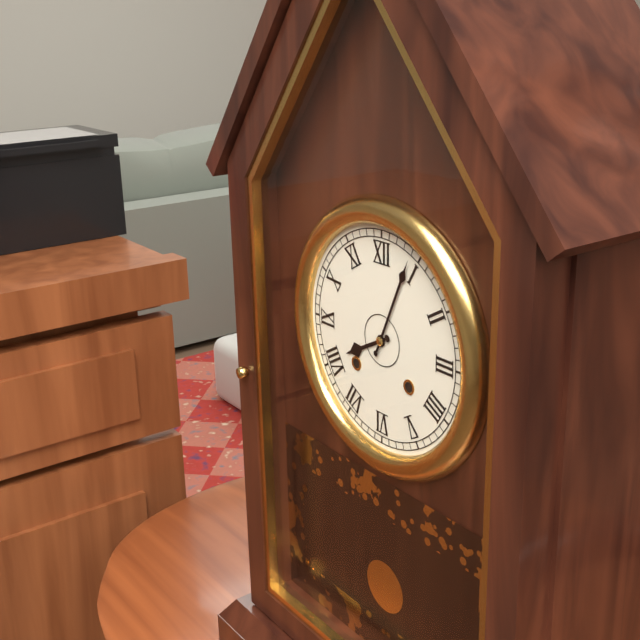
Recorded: {"hour": 8, "minute": 4}
